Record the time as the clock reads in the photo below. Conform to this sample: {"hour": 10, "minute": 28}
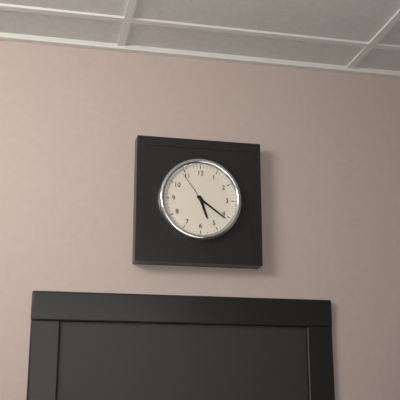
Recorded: {"hour": 5, "minute": 21}
